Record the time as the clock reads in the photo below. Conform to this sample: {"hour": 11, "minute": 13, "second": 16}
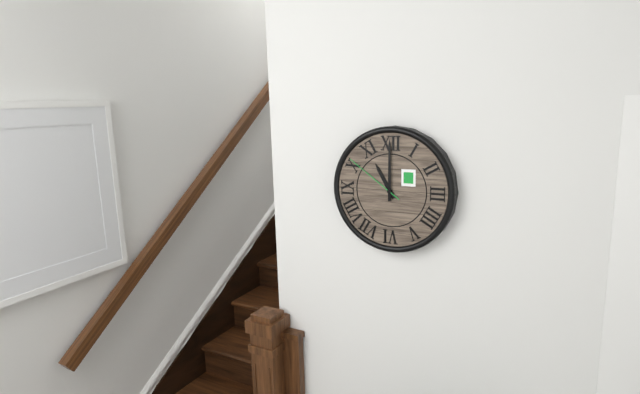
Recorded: {"hour": 11, "minute": 0, "second": 51}
